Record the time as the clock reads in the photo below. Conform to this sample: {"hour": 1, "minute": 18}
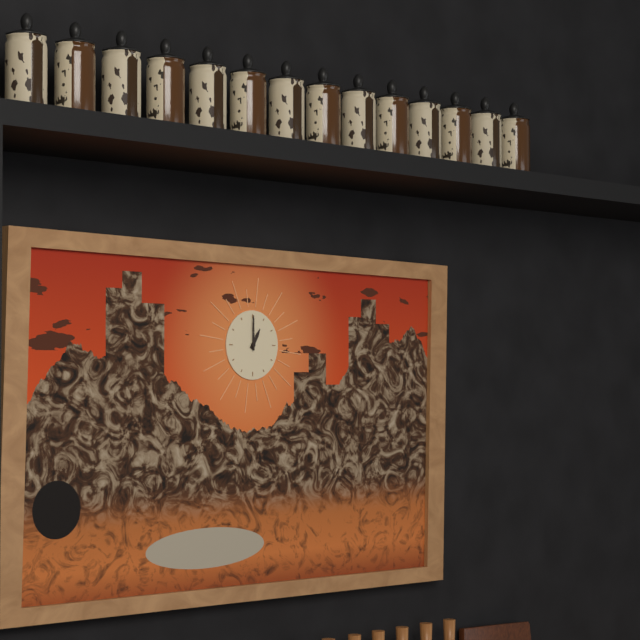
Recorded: {"hour": 1, "minute": 0}
